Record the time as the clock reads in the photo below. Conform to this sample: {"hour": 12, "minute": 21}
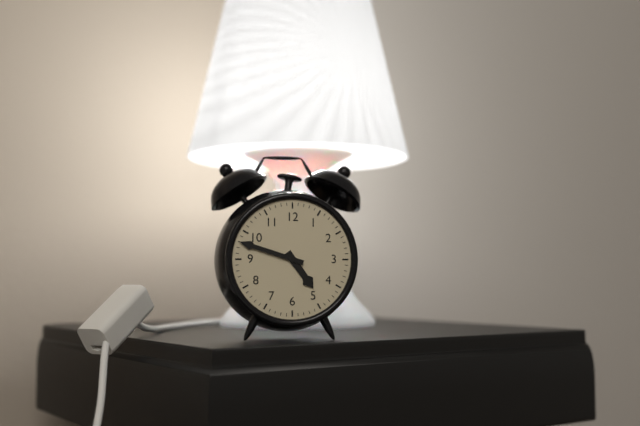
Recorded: {"hour": 4, "minute": 48}
